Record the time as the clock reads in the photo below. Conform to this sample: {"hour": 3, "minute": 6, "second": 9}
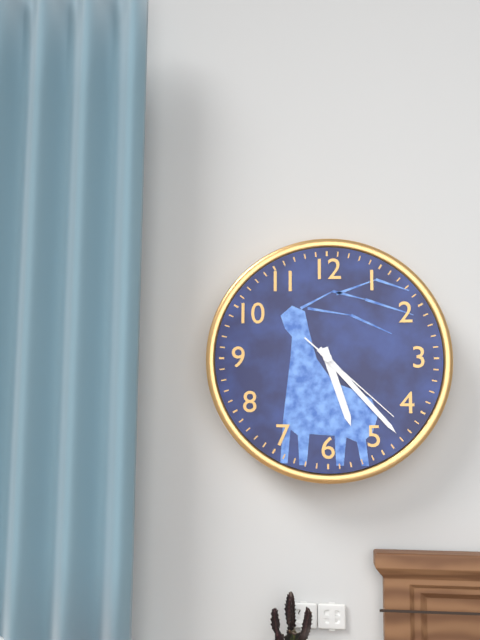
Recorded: {"hour": 5, "minute": 23, "second": 22}
